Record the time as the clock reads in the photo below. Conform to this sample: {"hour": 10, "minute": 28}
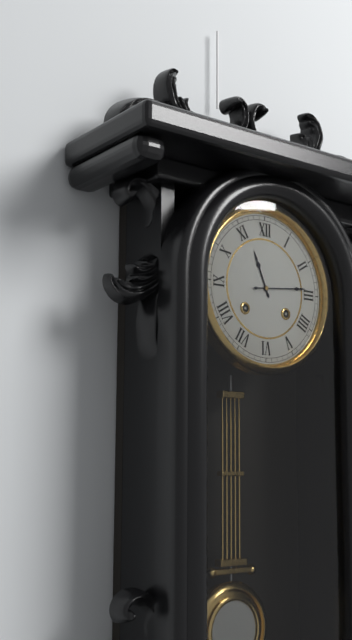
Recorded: {"hour": 11, "minute": 14}
